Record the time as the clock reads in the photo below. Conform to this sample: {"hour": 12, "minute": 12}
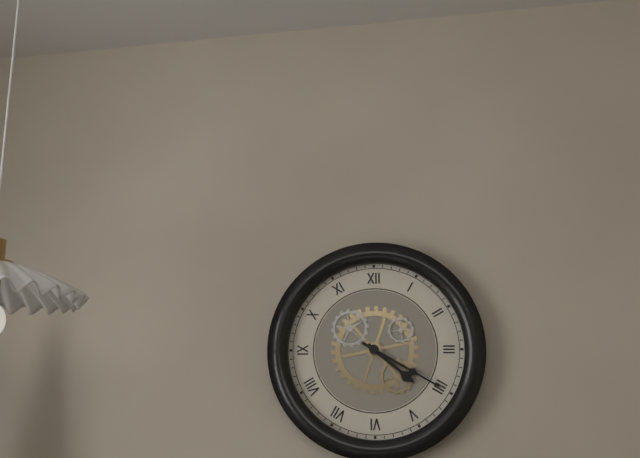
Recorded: {"hour": 4, "minute": 20}
